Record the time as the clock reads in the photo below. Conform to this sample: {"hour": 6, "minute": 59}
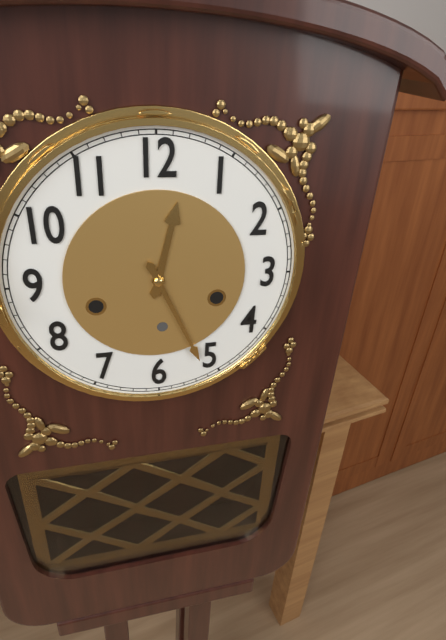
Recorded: {"hour": 12, "minute": 26}
